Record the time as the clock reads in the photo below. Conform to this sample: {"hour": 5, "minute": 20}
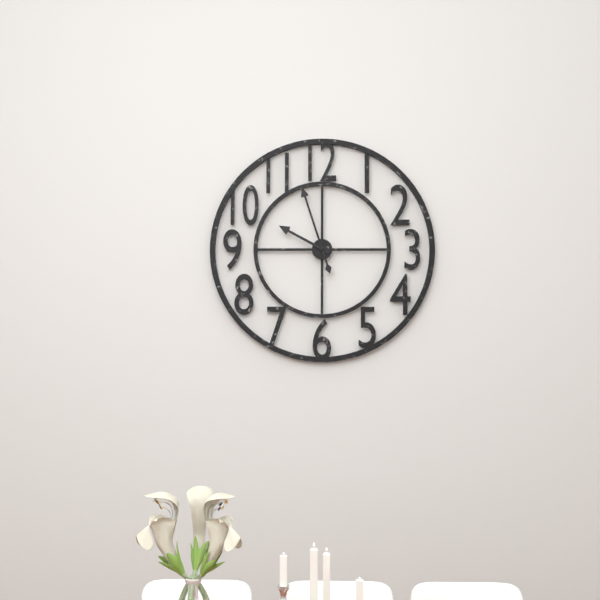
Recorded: {"hour": 9, "minute": 57}
